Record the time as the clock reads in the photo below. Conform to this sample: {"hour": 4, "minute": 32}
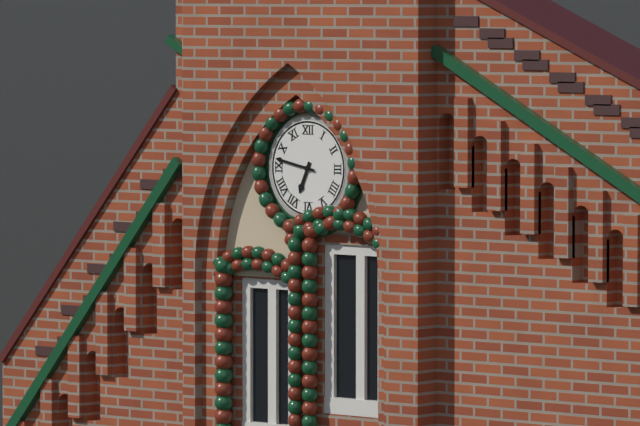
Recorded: {"hour": 6, "minute": 47}
